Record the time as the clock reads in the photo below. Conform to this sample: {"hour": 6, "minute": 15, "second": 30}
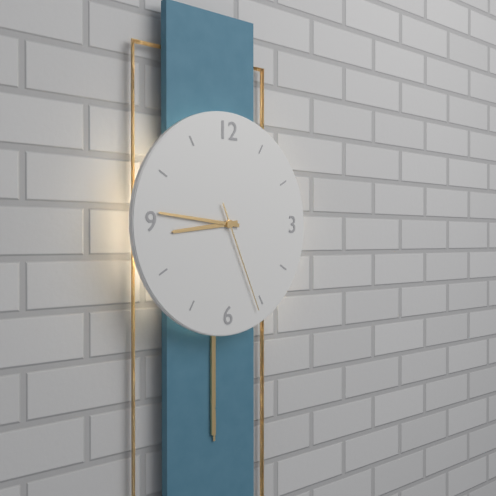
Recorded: {"hour": 8, "minute": 46, "second": 26}
